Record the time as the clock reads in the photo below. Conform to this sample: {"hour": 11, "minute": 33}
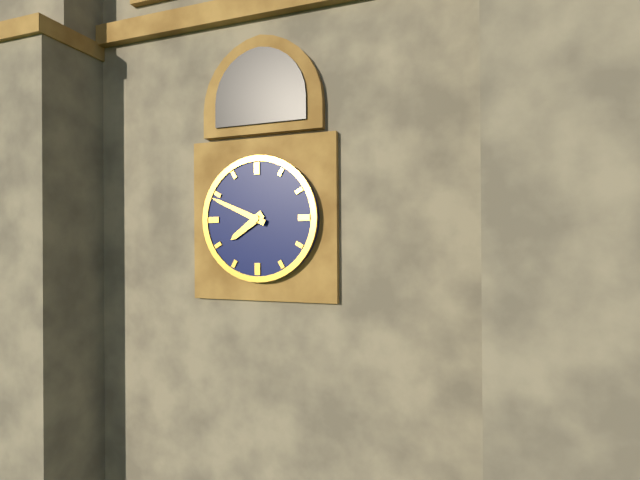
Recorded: {"hour": 7, "minute": 49}
